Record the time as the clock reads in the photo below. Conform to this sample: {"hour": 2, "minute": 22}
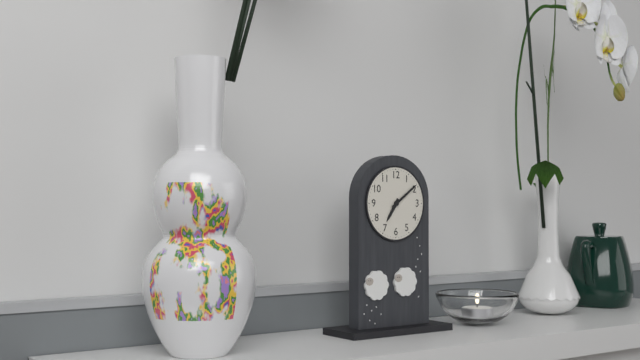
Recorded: {"hour": 7, "minute": 9}
